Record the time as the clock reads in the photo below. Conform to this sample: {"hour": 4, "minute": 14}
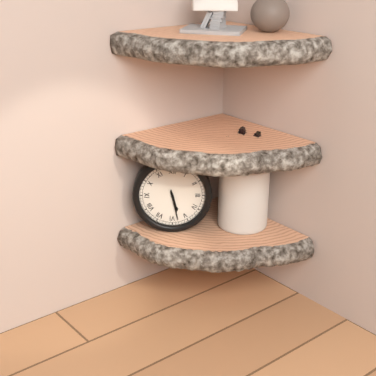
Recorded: {"hour": 5, "minute": 28}
